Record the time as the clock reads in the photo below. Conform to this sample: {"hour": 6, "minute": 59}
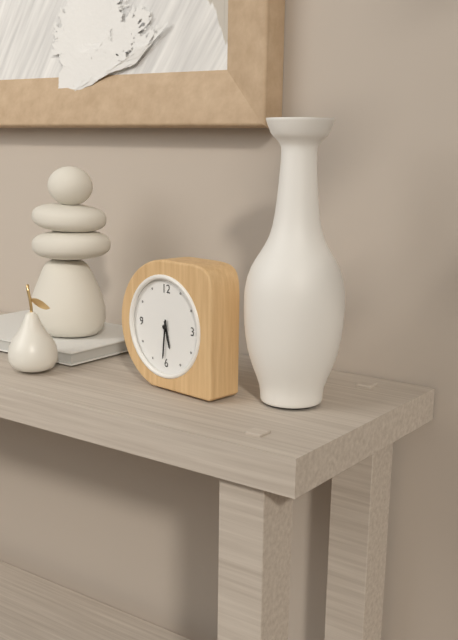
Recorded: {"hour": 5, "minute": 31}
